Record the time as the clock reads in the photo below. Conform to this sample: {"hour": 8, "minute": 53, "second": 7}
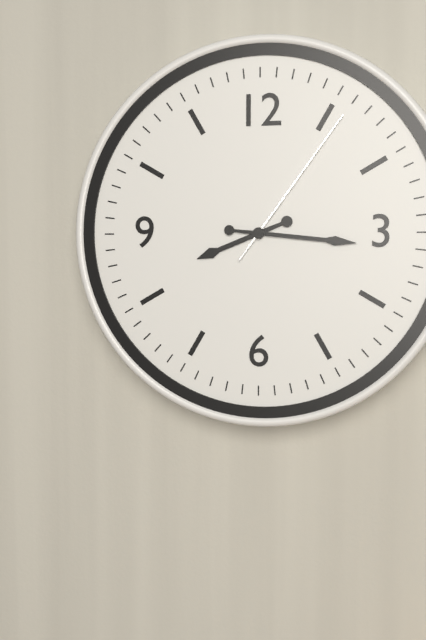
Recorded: {"hour": 8, "minute": 16, "second": 6}
